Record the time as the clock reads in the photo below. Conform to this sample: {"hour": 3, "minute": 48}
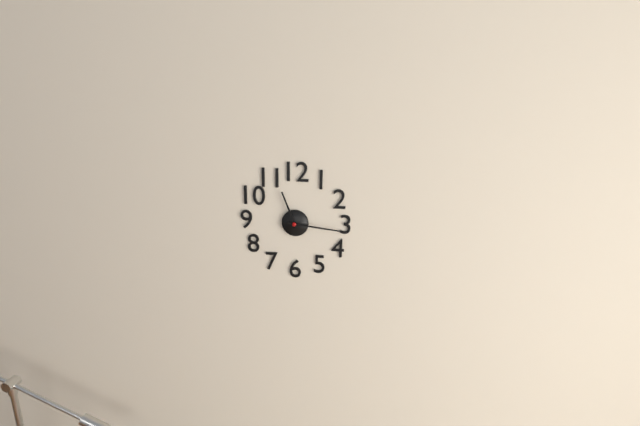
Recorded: {"hour": 11, "minute": 16}
